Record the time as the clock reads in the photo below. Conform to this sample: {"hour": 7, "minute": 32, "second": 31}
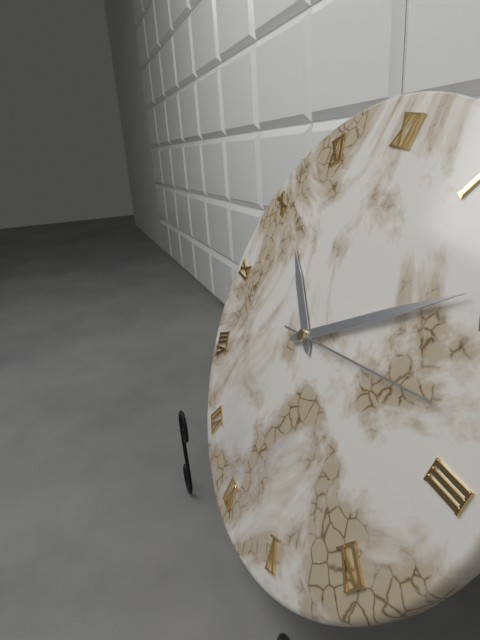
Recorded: {"hour": 10, "minute": 9, "second": 13}
